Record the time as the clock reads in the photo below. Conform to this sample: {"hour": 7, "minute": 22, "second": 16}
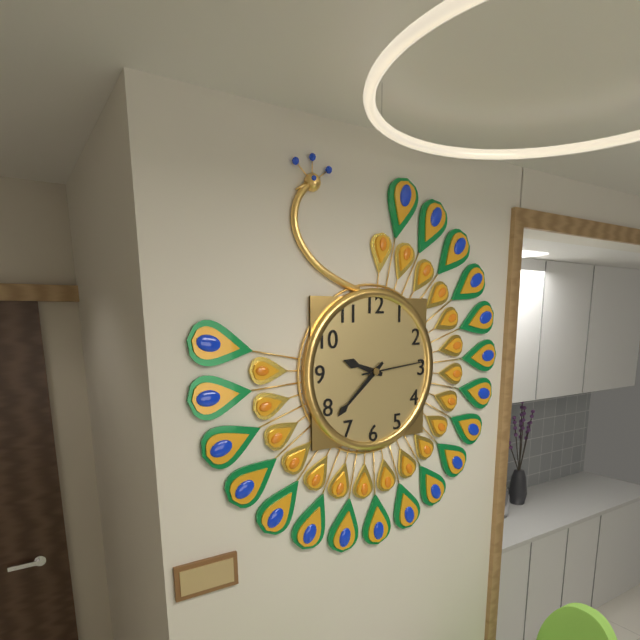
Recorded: {"hour": 9, "minute": 38, "second": 14}
